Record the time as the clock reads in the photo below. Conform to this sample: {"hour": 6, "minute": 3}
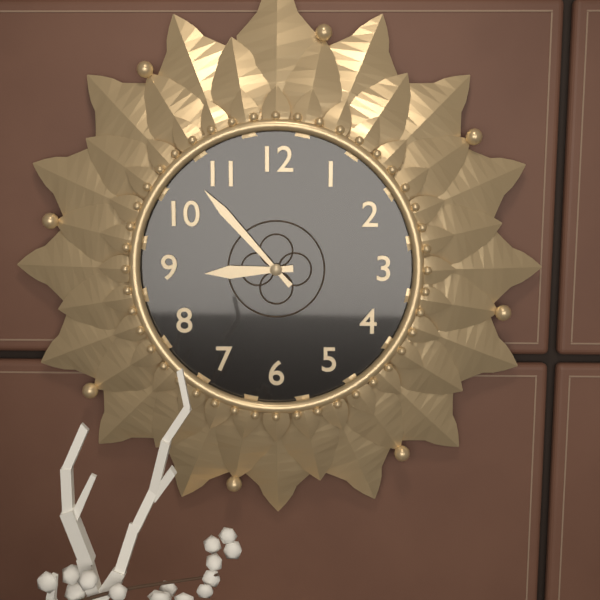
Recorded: {"hour": 8, "minute": 53}
